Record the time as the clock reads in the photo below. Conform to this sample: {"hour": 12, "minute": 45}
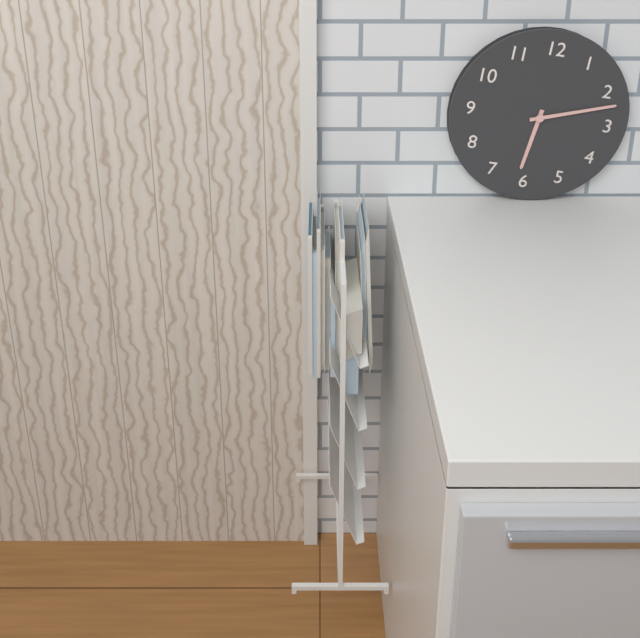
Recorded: {"hour": 6, "minute": 12}
